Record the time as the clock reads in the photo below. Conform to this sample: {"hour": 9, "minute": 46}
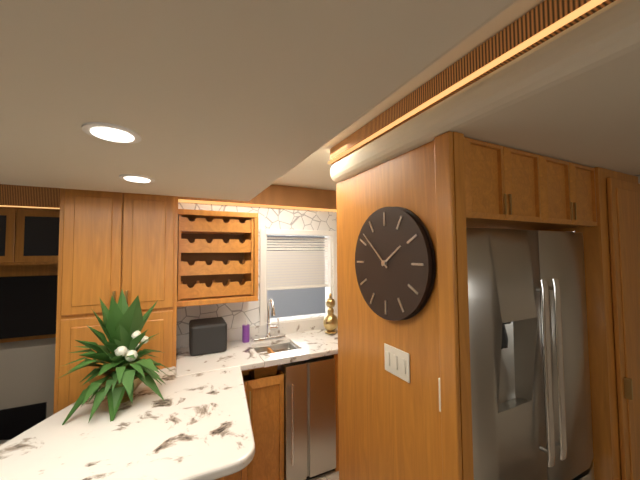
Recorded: {"hour": 1, "minute": 52}
